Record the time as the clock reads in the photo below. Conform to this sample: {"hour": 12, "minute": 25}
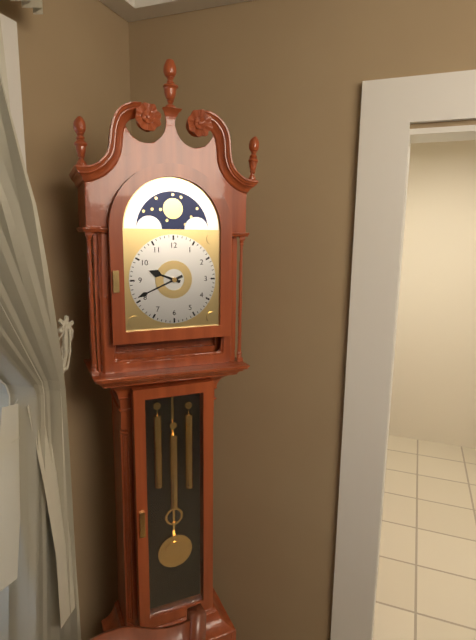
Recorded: {"hour": 9, "minute": 41}
